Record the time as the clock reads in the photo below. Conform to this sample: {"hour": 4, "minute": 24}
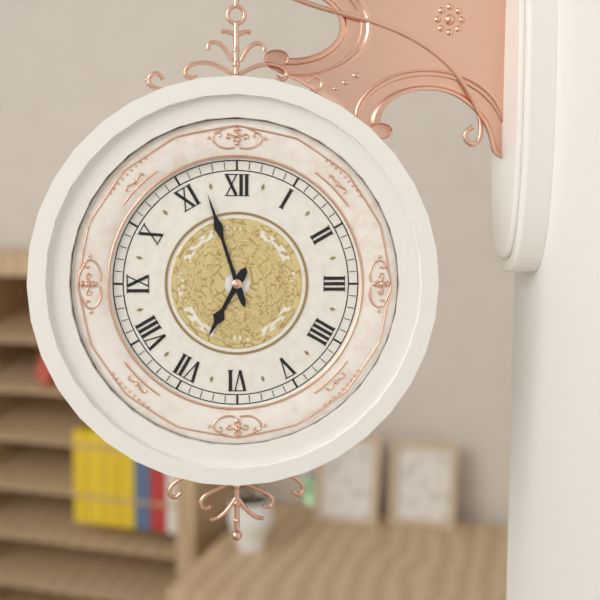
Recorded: {"hour": 6, "minute": 57}
